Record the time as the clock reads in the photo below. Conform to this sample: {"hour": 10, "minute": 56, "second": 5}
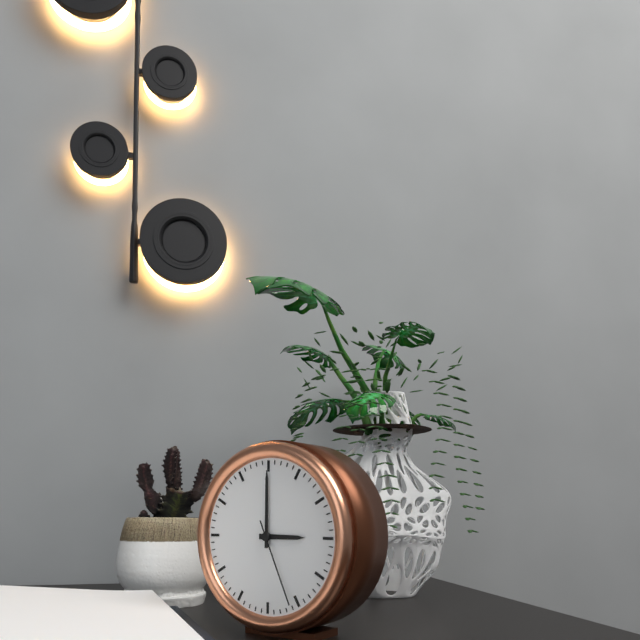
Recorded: {"hour": 3, "minute": 0, "second": 26}
